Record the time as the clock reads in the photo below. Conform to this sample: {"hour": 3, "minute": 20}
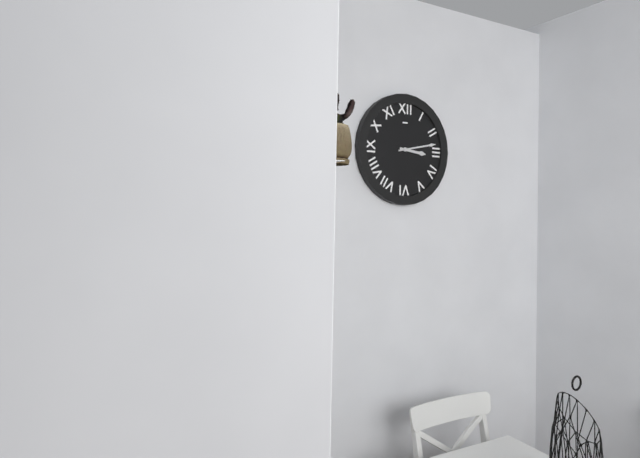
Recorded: {"hour": 3, "minute": 13}
